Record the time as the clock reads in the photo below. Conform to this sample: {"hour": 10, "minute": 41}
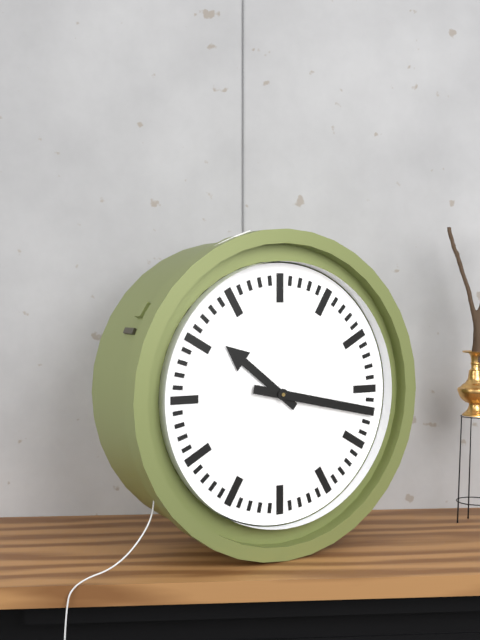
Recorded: {"hour": 10, "minute": 17}
